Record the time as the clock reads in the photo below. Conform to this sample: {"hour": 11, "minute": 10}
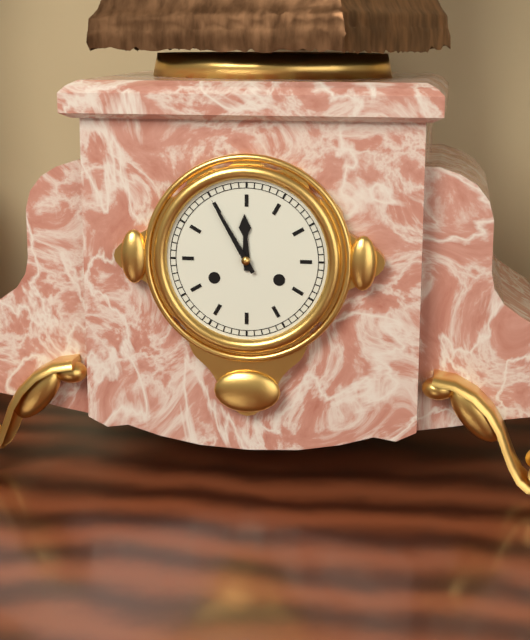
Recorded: {"hour": 11, "minute": 55}
